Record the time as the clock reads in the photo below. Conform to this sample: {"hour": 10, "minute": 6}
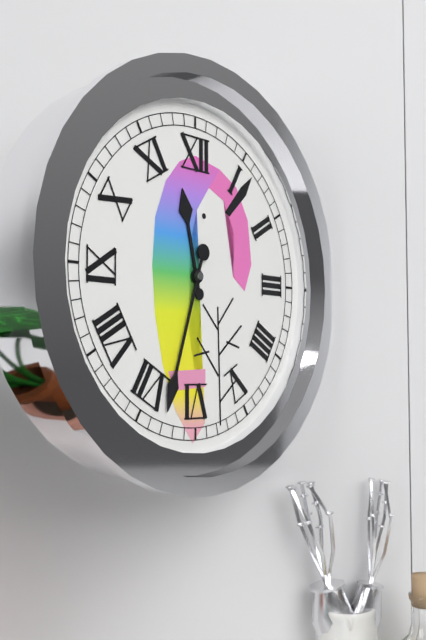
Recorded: {"hour": 11, "minute": 33}
